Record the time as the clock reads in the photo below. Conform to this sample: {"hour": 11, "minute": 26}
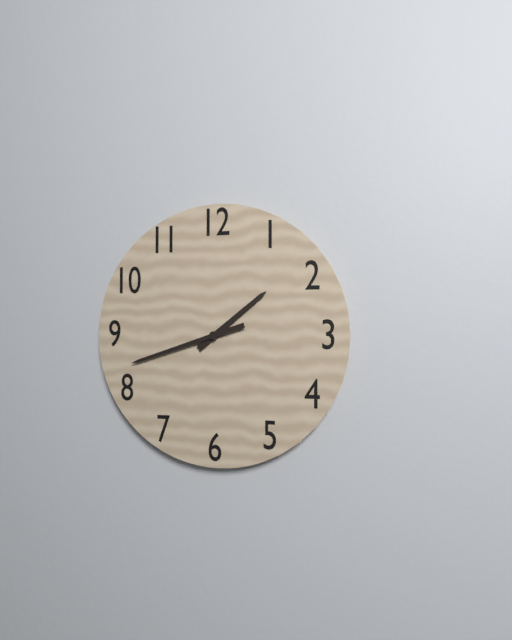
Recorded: {"hour": 1, "minute": 42}
